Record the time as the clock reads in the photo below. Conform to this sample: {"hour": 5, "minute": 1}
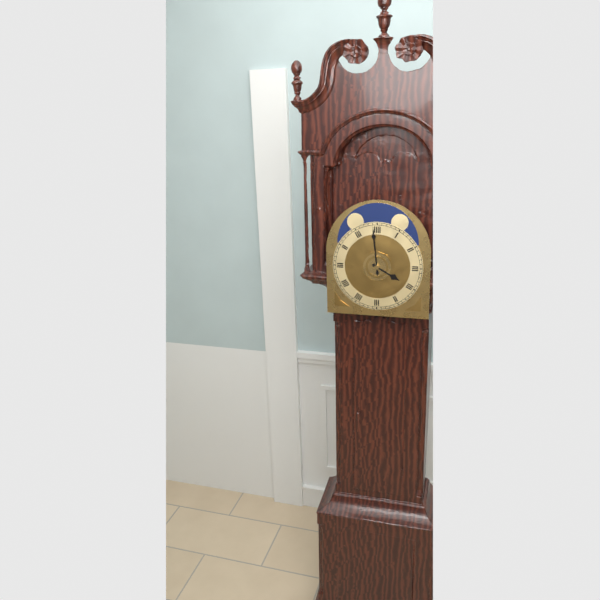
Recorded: {"hour": 3, "minute": 59}
